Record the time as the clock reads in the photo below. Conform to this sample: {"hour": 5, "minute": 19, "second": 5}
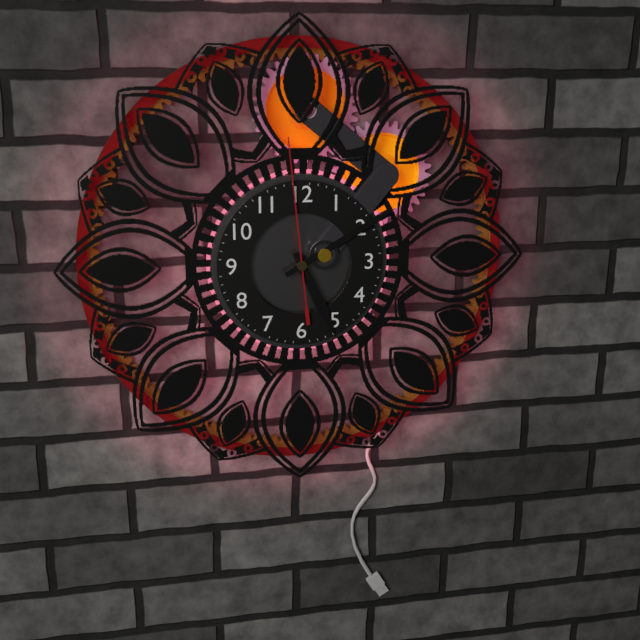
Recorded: {"hour": 5, "minute": 10, "second": 59}
